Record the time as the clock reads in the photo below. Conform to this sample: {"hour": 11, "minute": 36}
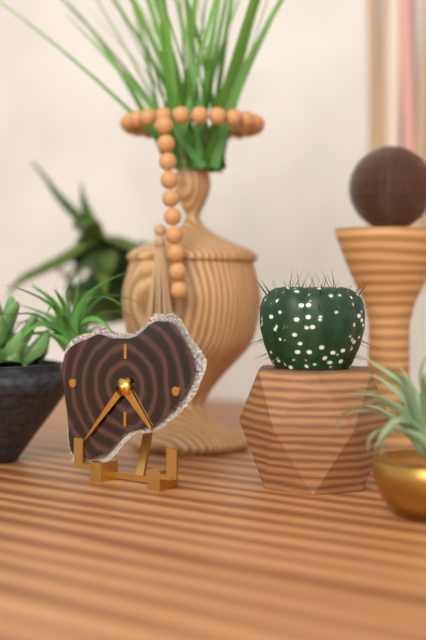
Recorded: {"hour": 4, "minute": 37}
